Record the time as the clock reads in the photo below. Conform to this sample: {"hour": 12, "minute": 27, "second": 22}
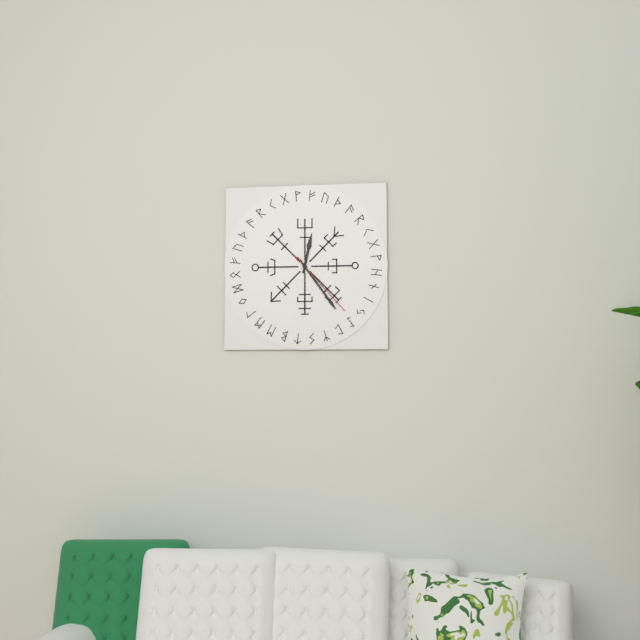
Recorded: {"hour": 12, "minute": 24, "second": 23}
